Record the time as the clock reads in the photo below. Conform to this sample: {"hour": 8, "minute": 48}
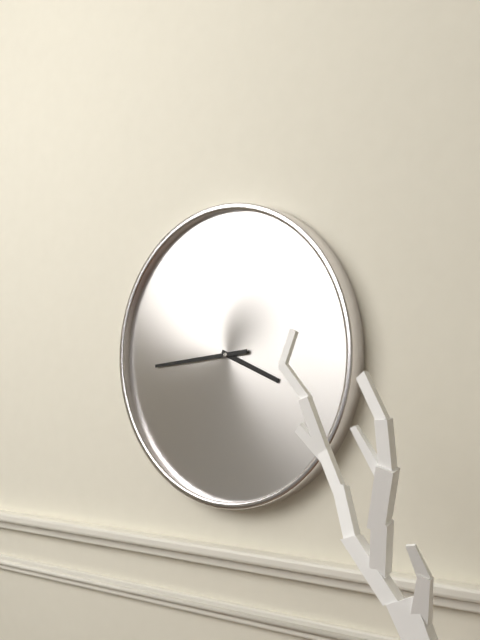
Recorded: {"hour": 3, "minute": 44}
